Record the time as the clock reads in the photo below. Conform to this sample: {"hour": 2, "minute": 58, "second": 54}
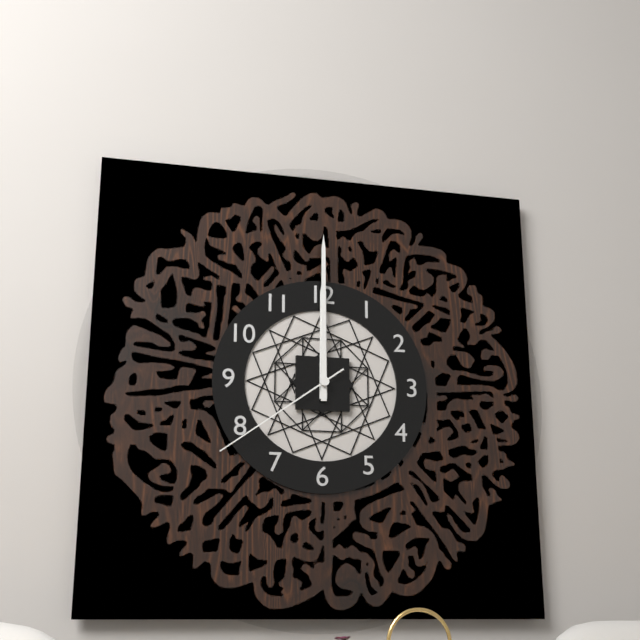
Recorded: {"hour": 12, "minute": 0, "second": 39}
